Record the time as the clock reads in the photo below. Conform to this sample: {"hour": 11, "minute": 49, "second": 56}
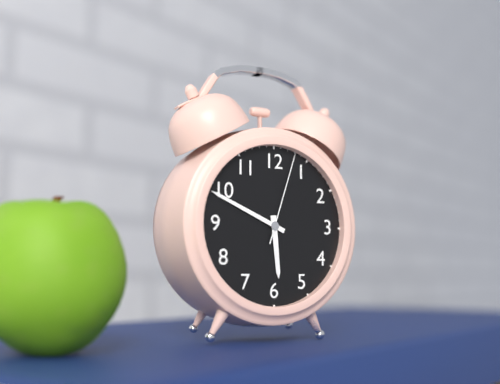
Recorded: {"hour": 5, "minute": 49, "second": 3}
